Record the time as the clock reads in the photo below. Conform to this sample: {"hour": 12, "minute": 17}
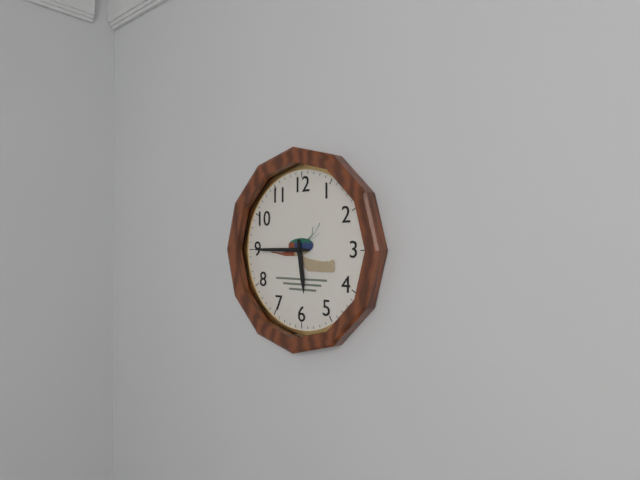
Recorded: {"hour": 5, "minute": 45}
